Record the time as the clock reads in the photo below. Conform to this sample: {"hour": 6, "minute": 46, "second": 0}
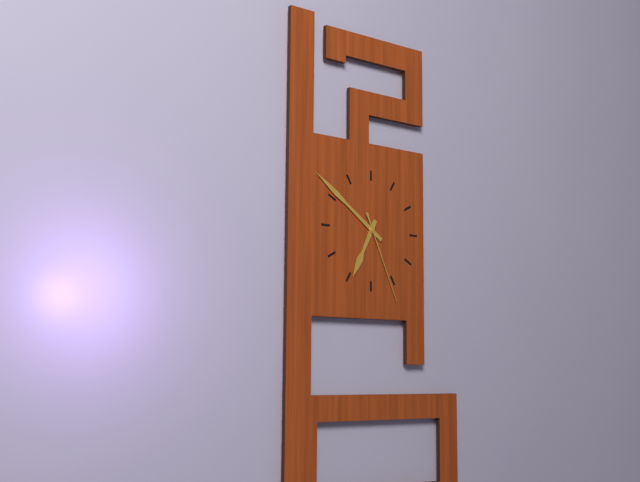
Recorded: {"hour": 6, "minute": 51, "second": 26}
